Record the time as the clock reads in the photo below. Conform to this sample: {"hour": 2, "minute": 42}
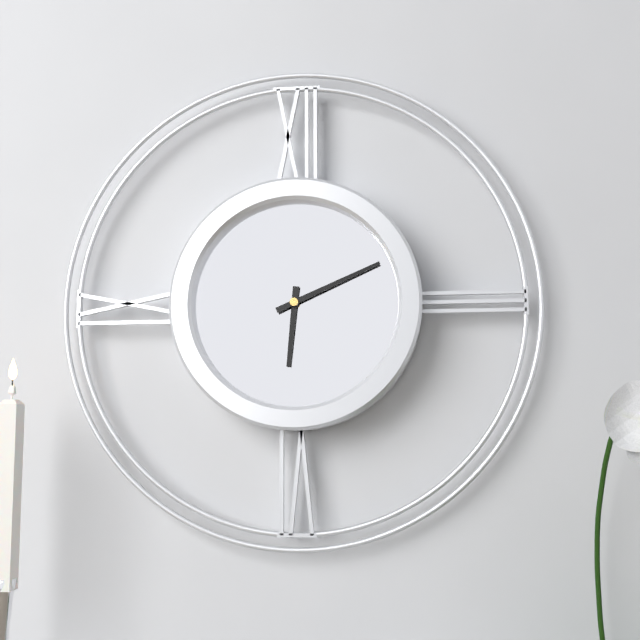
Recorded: {"hour": 6, "minute": 11}
